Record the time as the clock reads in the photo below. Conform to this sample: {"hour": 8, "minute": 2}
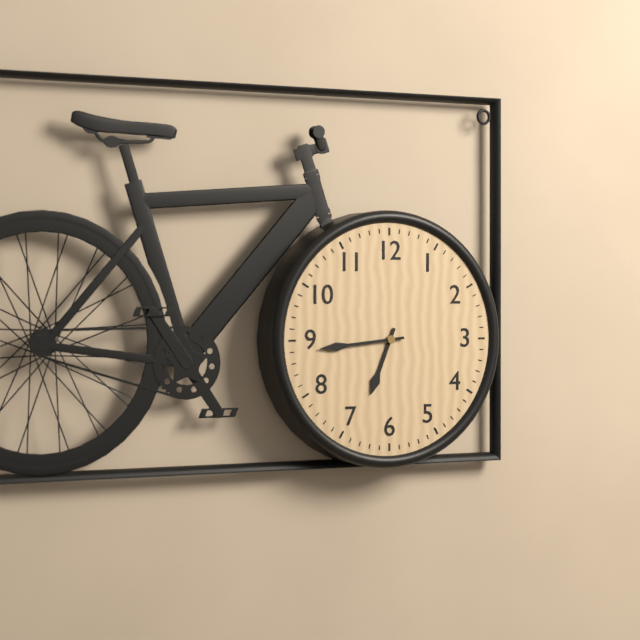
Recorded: {"hour": 6, "minute": 44}
